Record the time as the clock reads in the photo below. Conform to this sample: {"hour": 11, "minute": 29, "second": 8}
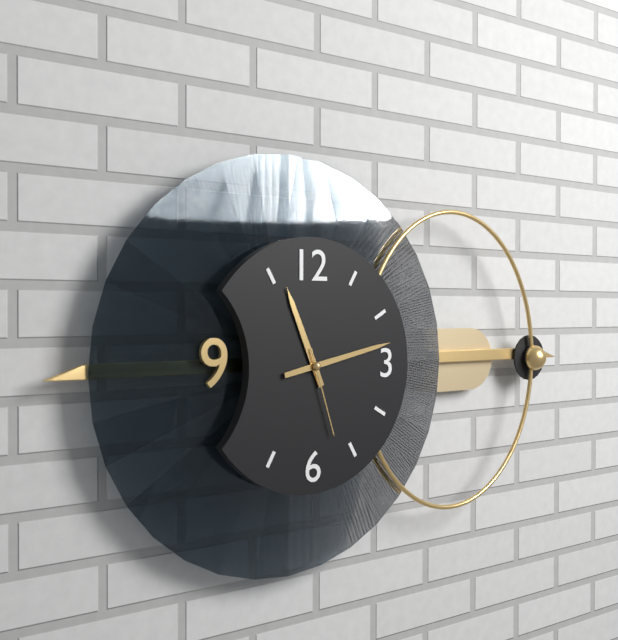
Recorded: {"hour": 11, "minute": 13, "second": 27}
